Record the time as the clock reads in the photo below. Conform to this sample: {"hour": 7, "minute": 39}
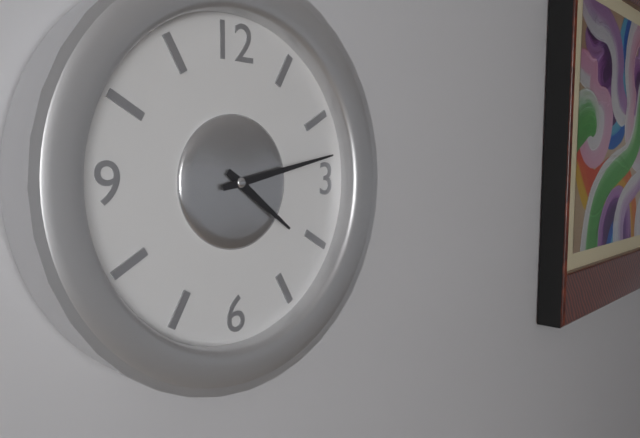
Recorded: {"hour": 4, "minute": 13}
